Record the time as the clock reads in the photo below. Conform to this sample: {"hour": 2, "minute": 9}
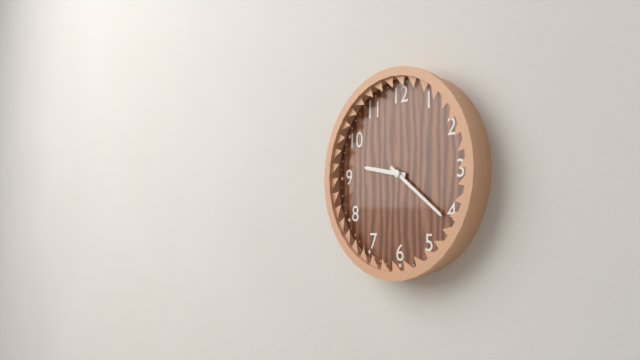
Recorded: {"hour": 9, "minute": 21}
